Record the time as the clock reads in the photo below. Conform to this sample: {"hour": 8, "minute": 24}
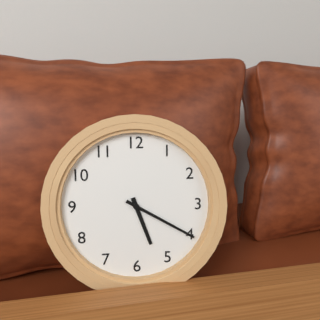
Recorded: {"hour": 5, "minute": 20}
